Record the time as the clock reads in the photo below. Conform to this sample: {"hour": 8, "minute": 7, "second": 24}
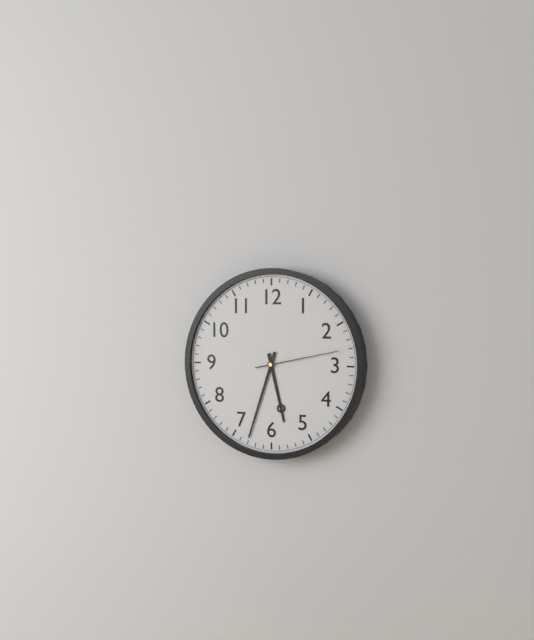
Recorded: {"hour": 5, "minute": 33, "second": 13}
